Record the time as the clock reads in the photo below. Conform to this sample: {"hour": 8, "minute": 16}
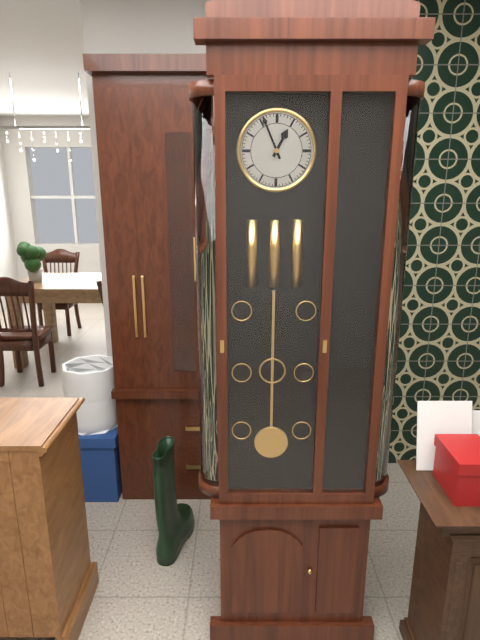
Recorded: {"hour": 12, "minute": 56}
